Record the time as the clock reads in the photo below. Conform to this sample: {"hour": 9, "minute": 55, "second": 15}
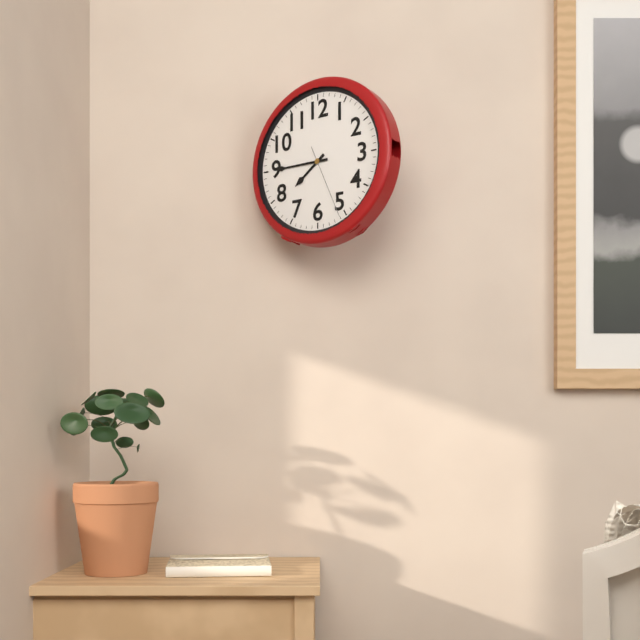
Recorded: {"hour": 7, "minute": 45, "second": 26}
